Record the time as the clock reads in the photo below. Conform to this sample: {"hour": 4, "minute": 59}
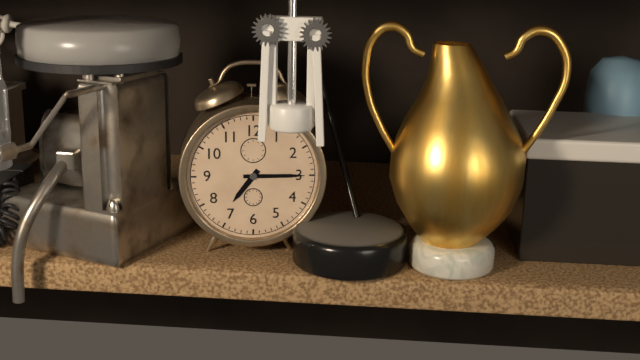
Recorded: {"hour": 7, "minute": 15}
